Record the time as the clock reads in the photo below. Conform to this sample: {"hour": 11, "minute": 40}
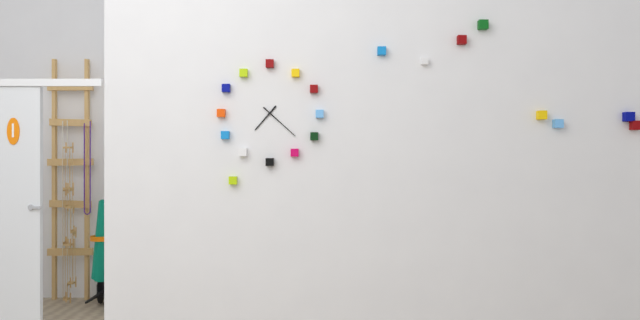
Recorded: {"hour": 7, "minute": 22}
